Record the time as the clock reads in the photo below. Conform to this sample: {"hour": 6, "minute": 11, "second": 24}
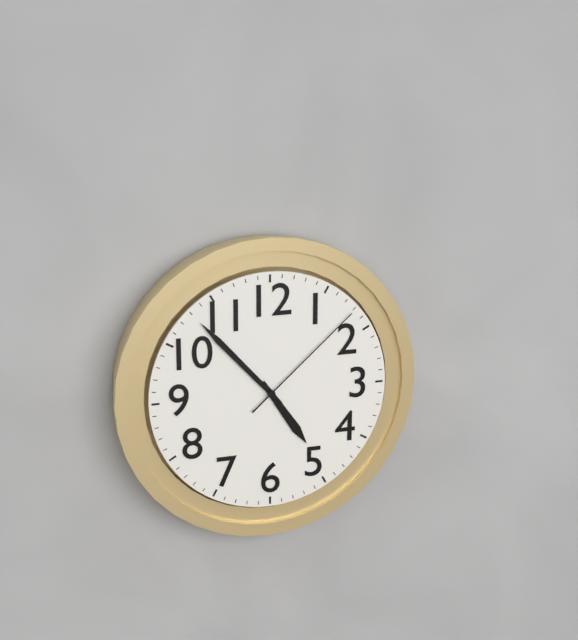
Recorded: {"hour": 4, "minute": 53, "second": 8}
